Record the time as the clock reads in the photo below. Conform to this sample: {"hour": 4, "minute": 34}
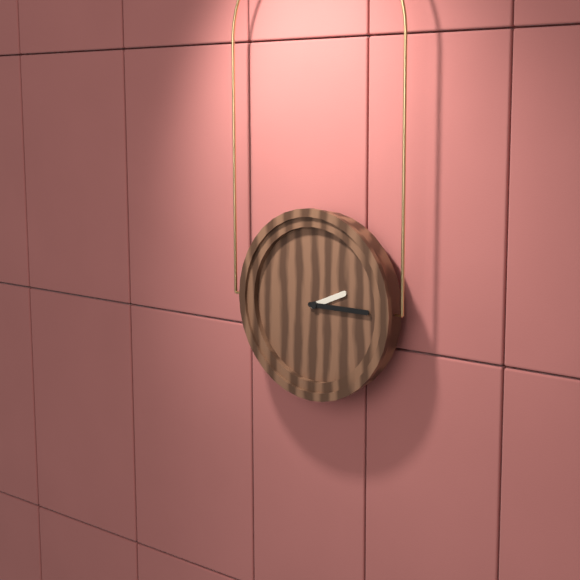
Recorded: {"hour": 2, "minute": 15}
